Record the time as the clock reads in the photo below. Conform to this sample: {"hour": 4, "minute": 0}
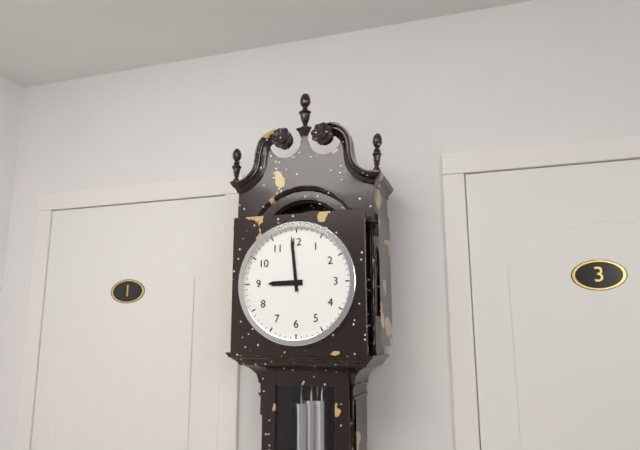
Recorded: {"hour": 8, "minute": 59}
